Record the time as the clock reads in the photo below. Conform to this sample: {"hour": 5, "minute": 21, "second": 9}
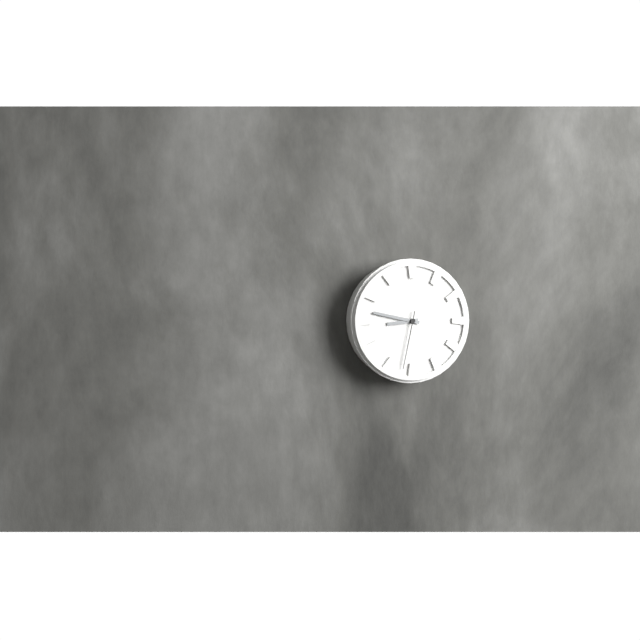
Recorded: {"hour": 8, "minute": 47, "second": 32}
